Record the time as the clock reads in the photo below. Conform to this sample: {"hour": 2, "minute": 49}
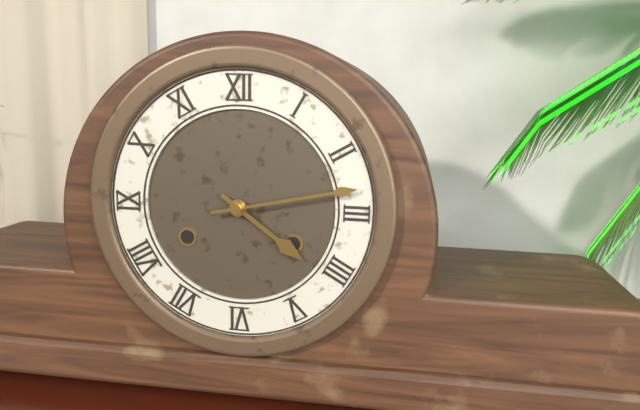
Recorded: {"hour": 4, "minute": 13}
